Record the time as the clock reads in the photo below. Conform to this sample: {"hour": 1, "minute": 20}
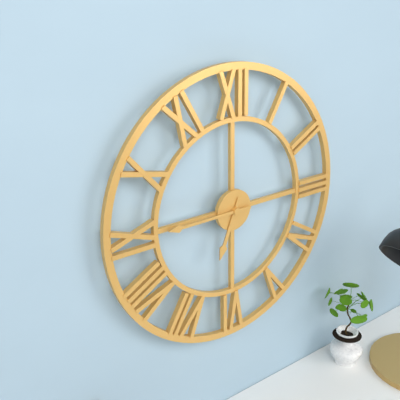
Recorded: {"hour": 6, "minute": 45}
